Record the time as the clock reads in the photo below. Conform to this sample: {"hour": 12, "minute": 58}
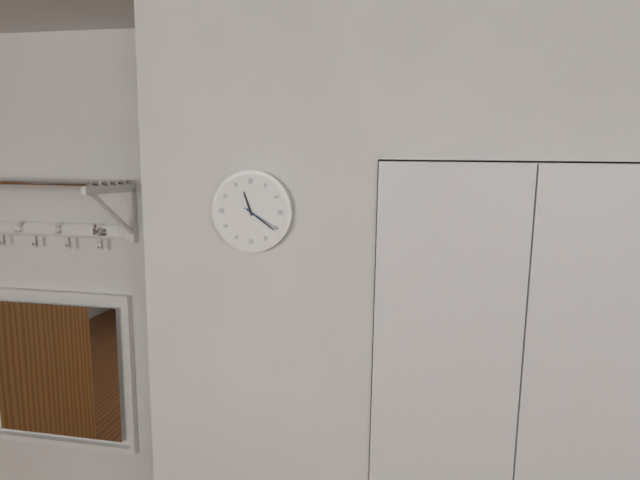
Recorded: {"hour": 11, "minute": 21}
